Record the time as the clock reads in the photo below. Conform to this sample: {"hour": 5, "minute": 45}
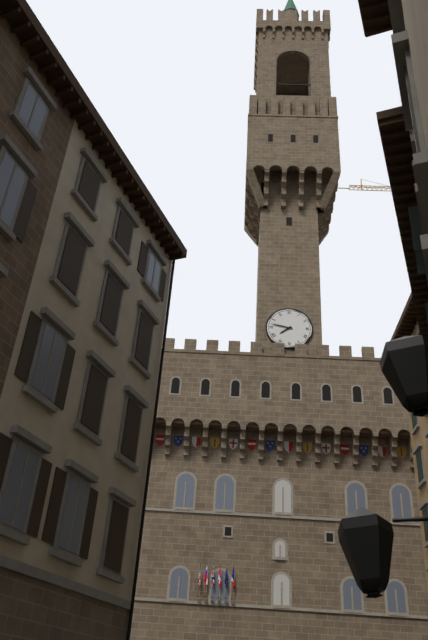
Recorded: {"hour": 7, "minute": 47}
